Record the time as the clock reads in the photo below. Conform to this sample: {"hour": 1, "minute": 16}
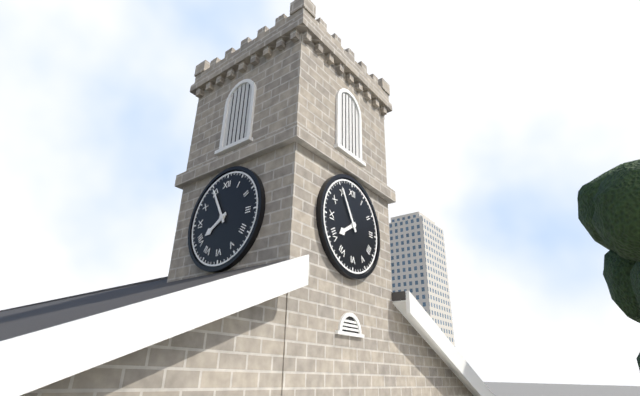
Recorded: {"hour": 7, "minute": 55}
